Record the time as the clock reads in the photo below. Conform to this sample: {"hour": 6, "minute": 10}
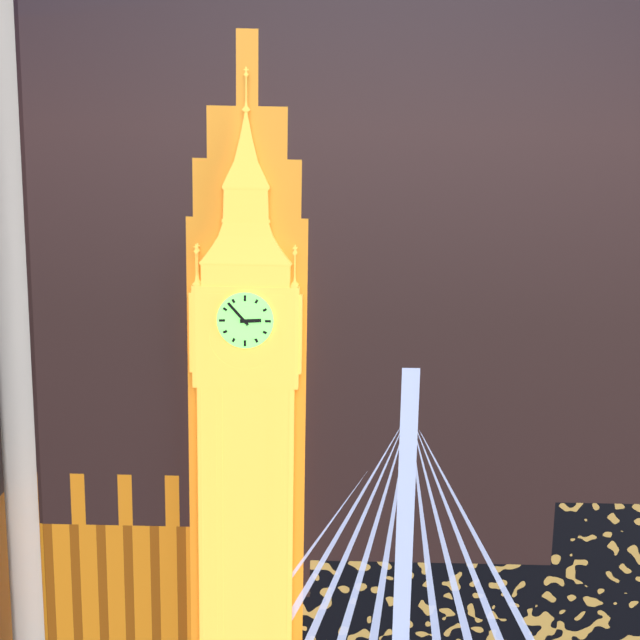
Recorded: {"hour": 2, "minute": 53}
